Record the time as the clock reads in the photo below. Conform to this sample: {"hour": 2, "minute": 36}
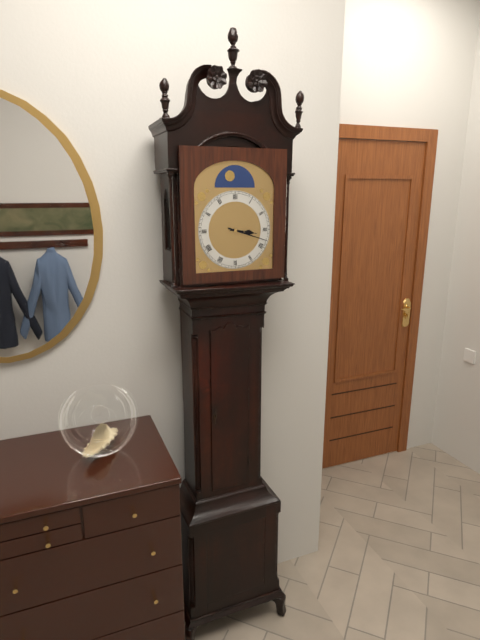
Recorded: {"hour": 3, "minute": 18}
